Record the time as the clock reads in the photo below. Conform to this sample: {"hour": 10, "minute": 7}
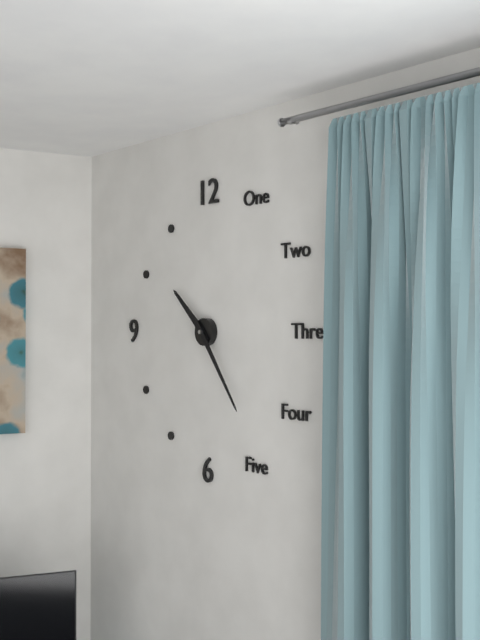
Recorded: {"hour": 10, "minute": 24}
